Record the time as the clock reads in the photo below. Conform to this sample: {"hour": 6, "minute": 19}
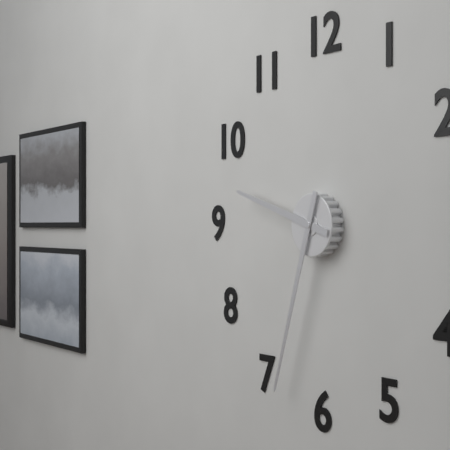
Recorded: {"hour": 9, "minute": 33}
